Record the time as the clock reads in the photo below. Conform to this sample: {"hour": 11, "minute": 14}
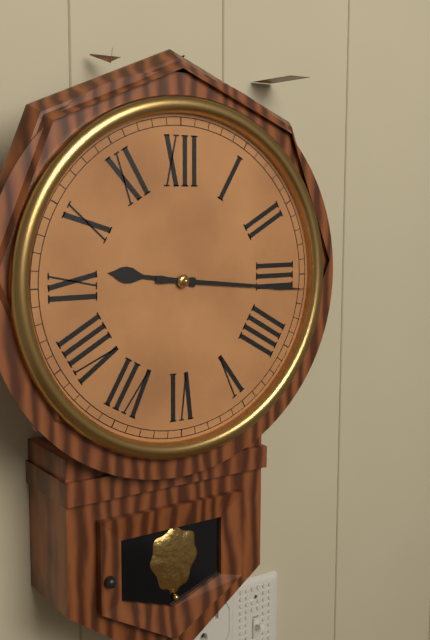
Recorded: {"hour": 9, "minute": 16}
